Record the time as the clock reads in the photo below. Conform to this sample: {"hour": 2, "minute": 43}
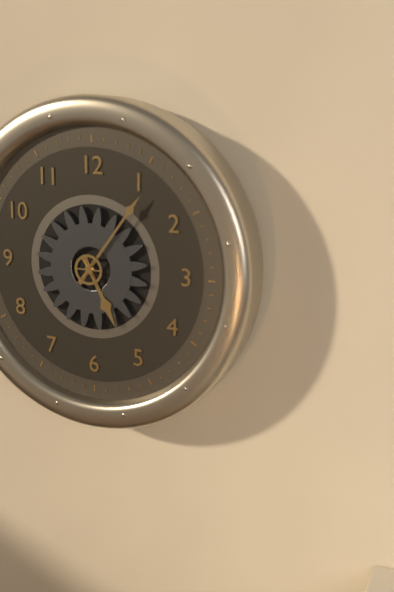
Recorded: {"hour": 5, "minute": 6}
